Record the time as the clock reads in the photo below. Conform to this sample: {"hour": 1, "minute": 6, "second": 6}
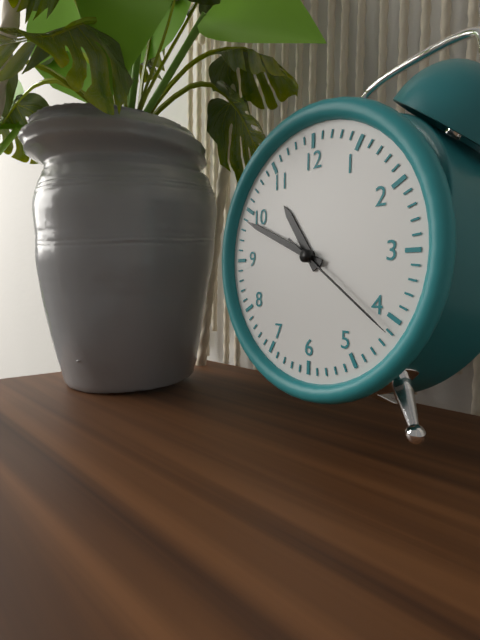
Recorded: {"hour": 10, "minute": 49, "second": 21}
